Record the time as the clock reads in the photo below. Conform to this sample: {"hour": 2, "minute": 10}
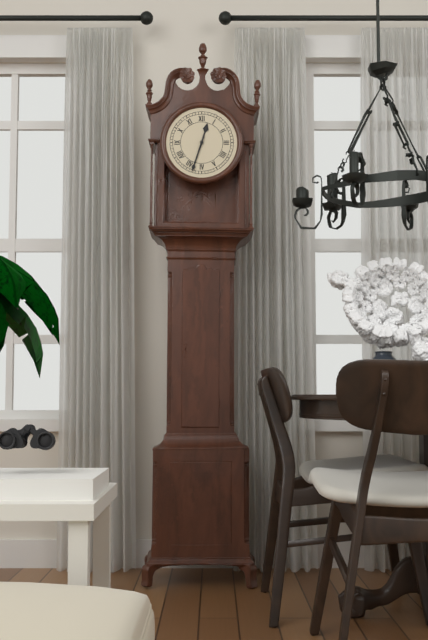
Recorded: {"hour": 12, "minute": 33}
